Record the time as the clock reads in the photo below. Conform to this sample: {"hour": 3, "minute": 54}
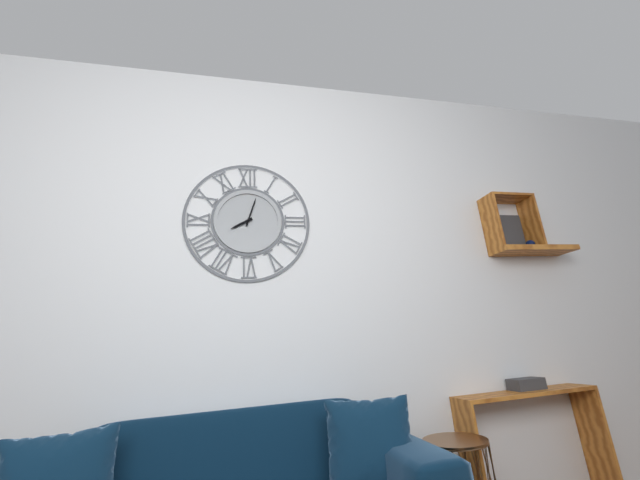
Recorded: {"hour": 8, "minute": 3}
